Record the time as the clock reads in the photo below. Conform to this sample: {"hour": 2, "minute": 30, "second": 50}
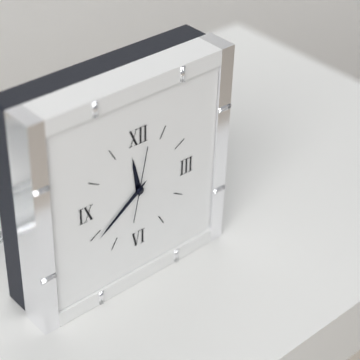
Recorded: {"hour": 11, "minute": 39, "second": 2}
